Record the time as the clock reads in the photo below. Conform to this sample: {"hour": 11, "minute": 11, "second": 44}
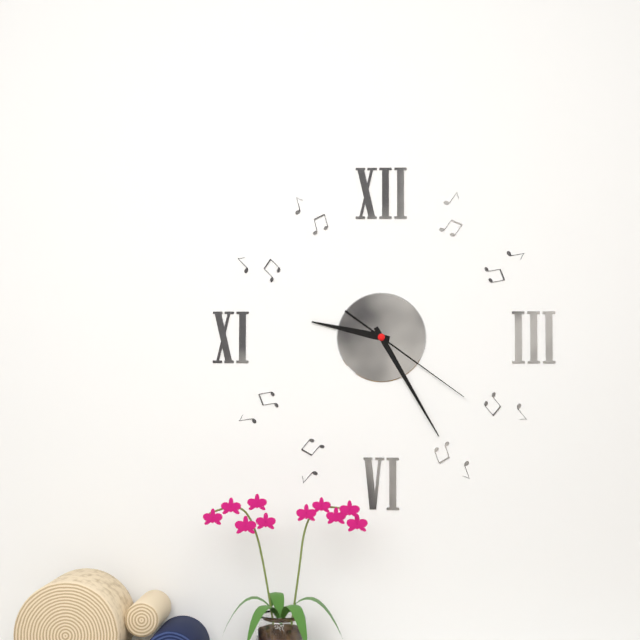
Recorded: {"hour": 9, "minute": 25, "second": 21}
